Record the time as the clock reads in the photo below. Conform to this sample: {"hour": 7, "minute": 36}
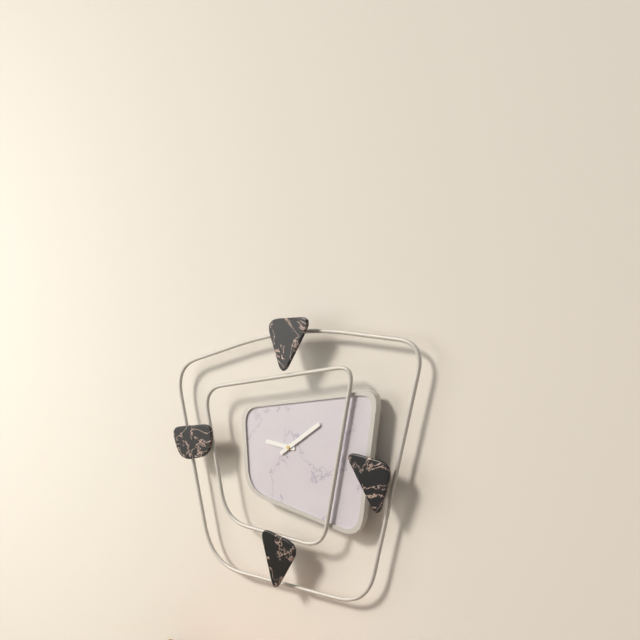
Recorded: {"hour": 9, "minute": 9}
